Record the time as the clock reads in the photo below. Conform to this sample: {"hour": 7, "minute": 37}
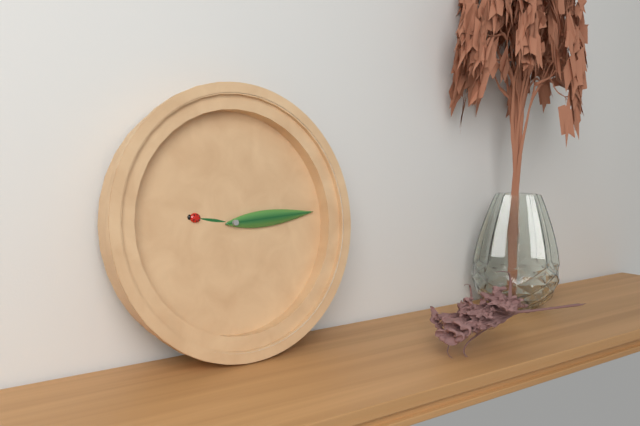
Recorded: {"hour": 9, "minute": 14}
